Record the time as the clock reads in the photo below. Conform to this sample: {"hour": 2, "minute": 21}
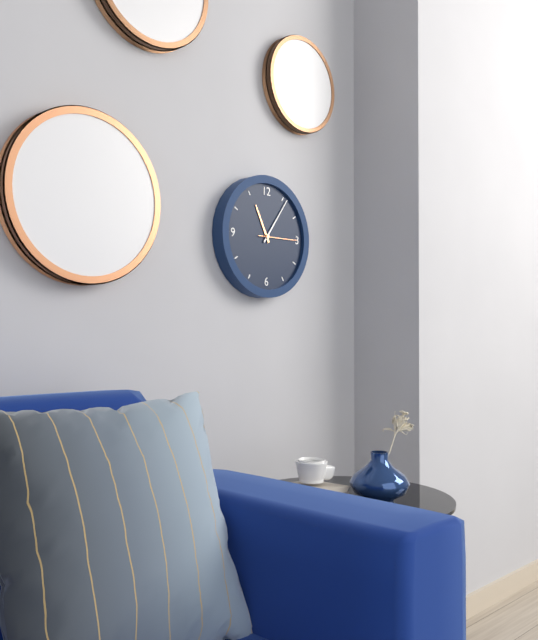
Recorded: {"hour": 11, "minute": 6}
